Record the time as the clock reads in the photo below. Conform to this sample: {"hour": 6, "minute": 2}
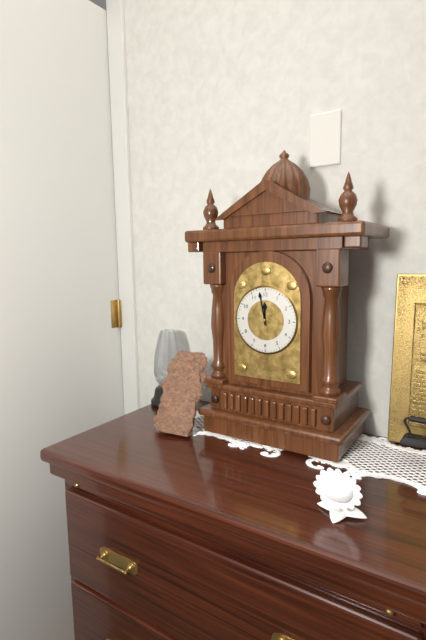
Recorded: {"hour": 11, "minute": 58}
